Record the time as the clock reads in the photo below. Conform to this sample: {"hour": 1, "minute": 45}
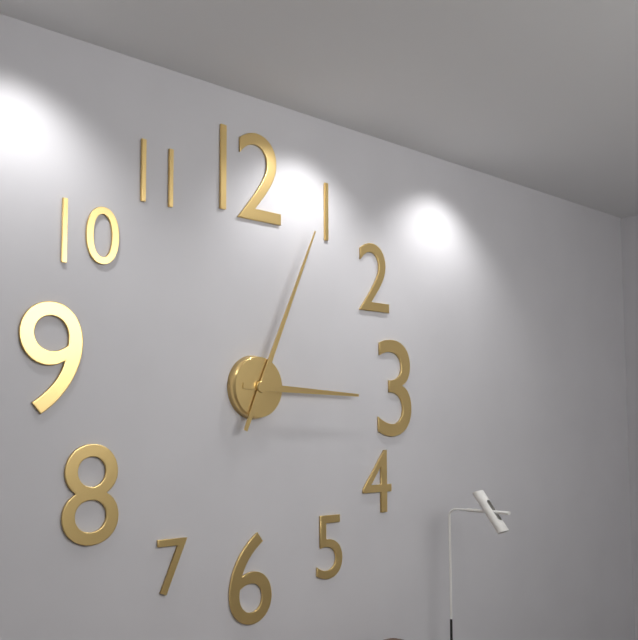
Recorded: {"hour": 3, "minute": 4}
